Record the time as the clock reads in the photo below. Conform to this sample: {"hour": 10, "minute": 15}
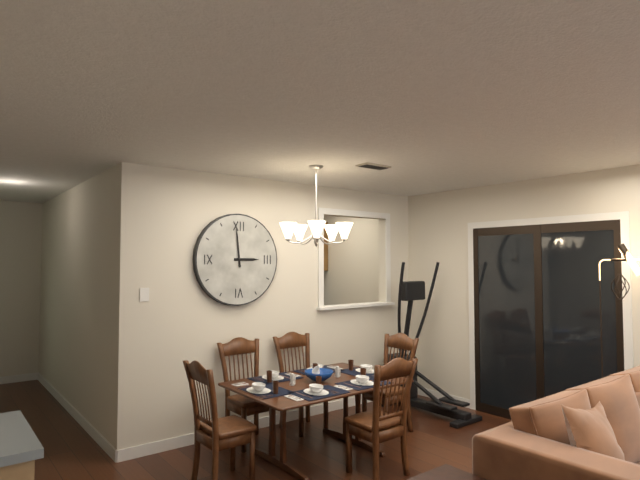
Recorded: {"hour": 2, "minute": 59}
